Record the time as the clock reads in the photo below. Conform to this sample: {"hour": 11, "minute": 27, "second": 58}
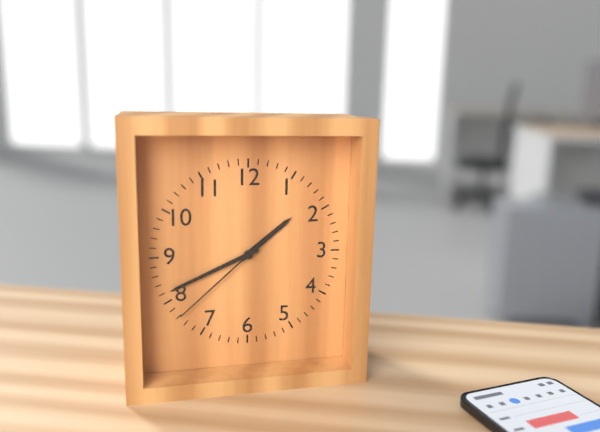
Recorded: {"hour": 1, "minute": 41, "second": 38}
